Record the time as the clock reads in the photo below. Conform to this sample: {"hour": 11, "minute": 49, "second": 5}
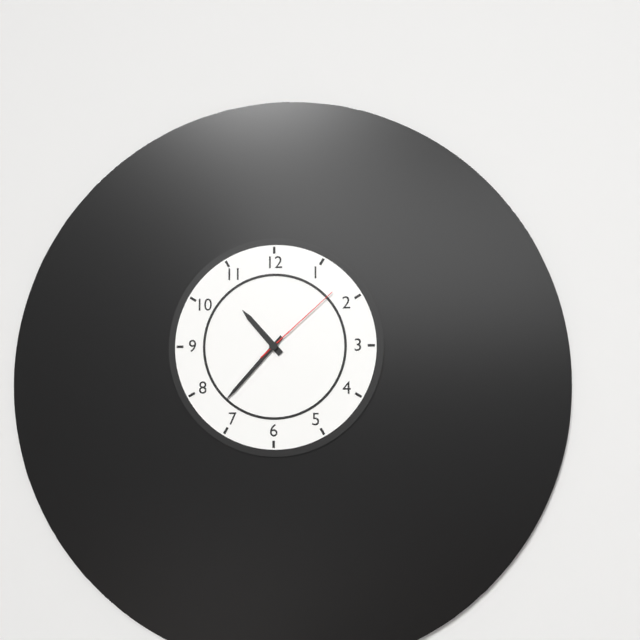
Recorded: {"hour": 10, "minute": 37, "second": 8}
